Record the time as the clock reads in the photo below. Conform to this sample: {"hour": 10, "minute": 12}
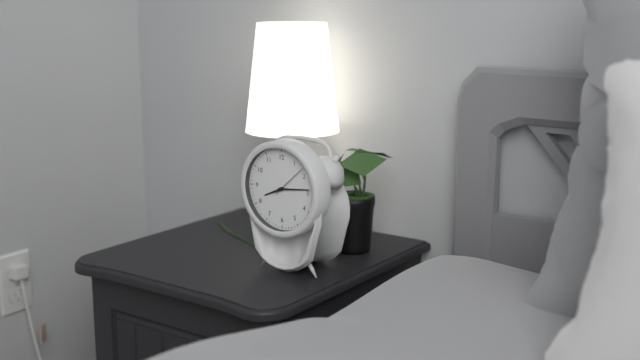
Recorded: {"hour": 8, "minute": 14}
